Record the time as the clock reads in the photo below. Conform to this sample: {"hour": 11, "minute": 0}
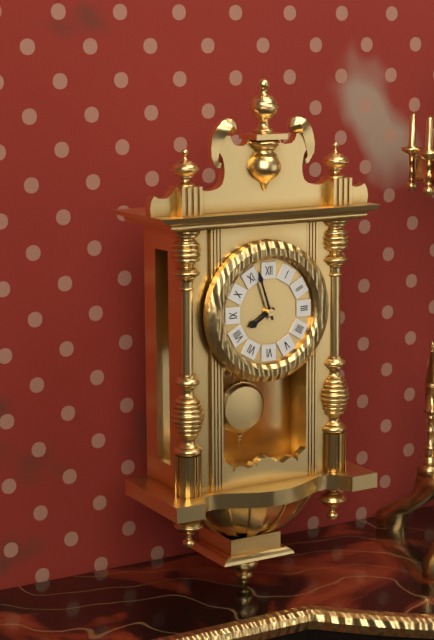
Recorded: {"hour": 7, "minute": 57}
